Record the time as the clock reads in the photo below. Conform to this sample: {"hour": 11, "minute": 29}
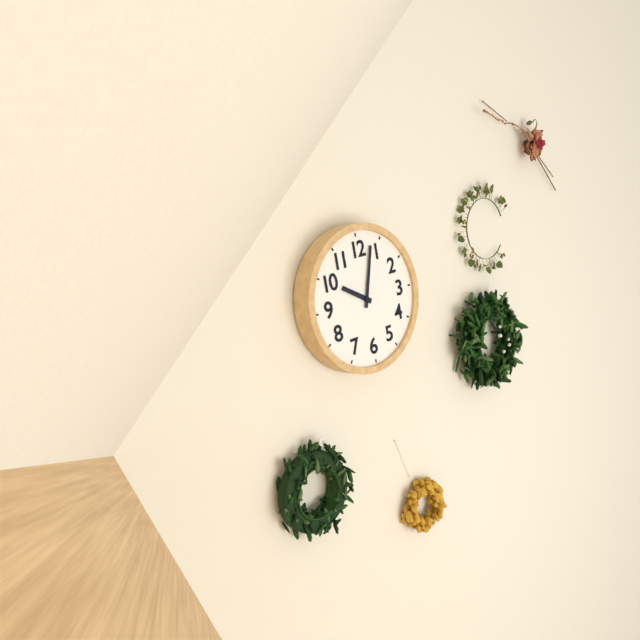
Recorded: {"hour": 10, "minute": 3}
